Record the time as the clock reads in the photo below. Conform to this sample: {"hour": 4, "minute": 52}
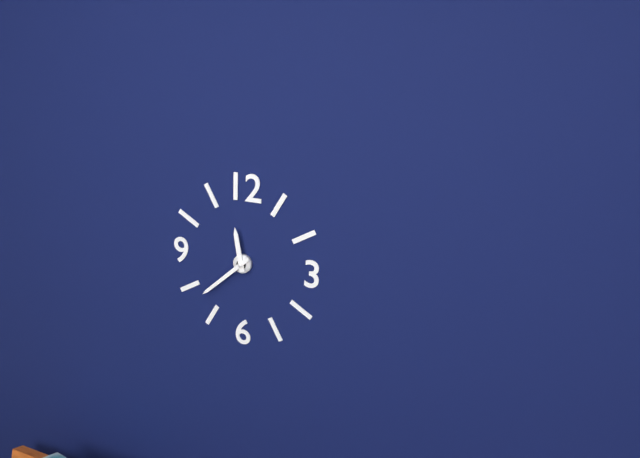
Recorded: {"hour": 11, "minute": 38}
